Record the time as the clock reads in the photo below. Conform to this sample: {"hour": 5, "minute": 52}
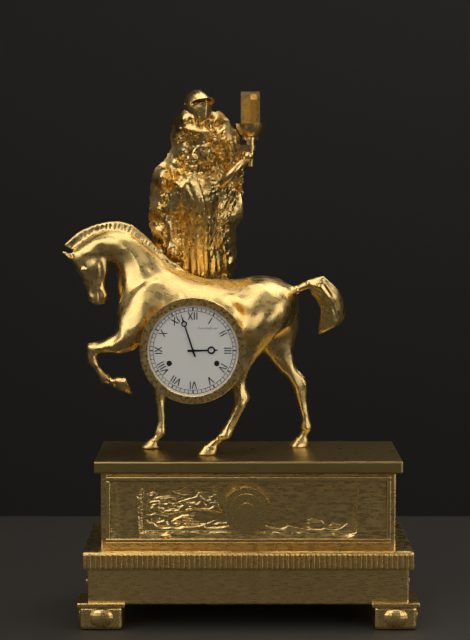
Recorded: {"hour": 2, "minute": 57}
